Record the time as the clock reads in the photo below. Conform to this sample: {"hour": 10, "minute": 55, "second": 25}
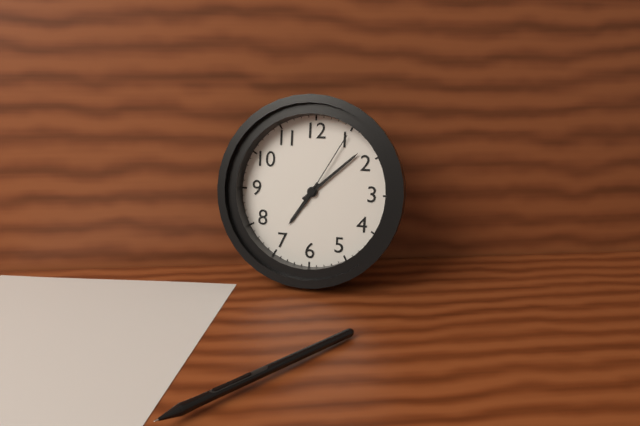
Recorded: {"hour": 7, "minute": 8, "second": 5}
